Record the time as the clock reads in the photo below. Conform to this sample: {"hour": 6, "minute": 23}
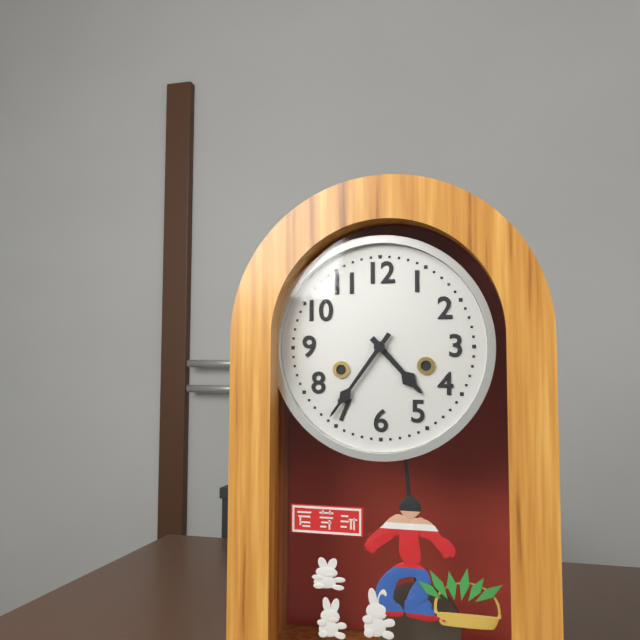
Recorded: {"hour": 4, "minute": 36}
